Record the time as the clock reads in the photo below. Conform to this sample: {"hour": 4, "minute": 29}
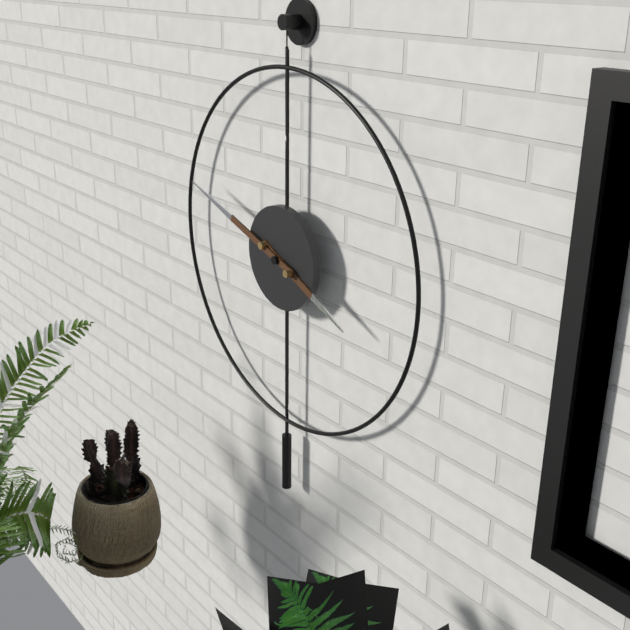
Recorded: {"hour": 3, "minute": 48}
